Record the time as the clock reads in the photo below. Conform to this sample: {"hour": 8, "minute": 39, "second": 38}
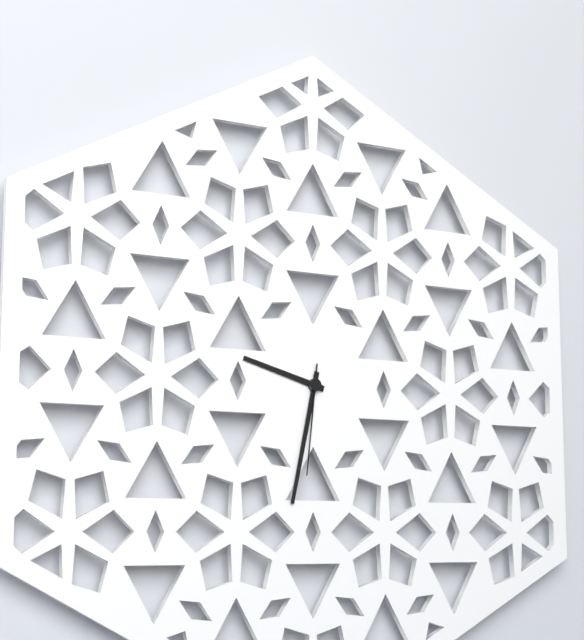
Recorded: {"hour": 9, "minute": 32, "second": 31}
